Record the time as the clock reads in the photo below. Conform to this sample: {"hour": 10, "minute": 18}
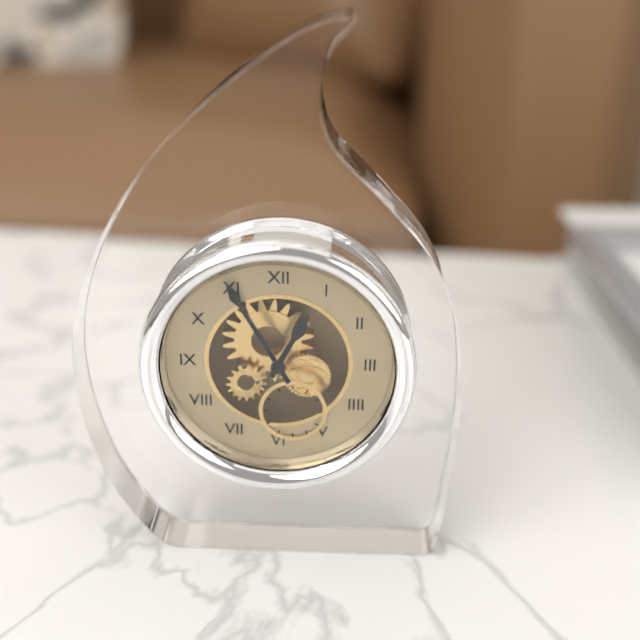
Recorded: {"hour": 12, "minute": 55}
